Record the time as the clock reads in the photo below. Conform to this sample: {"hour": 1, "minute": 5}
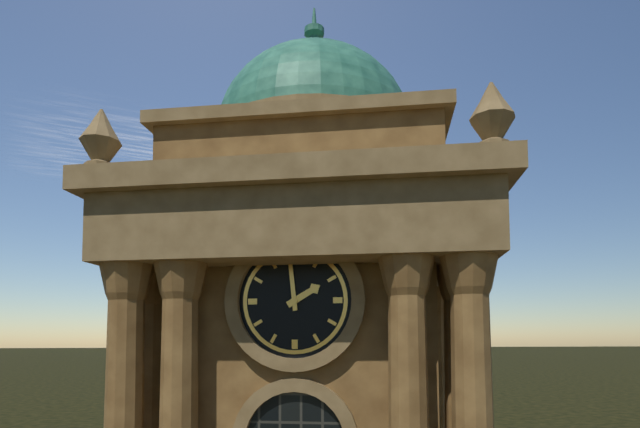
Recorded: {"hour": 1, "minute": 59}
